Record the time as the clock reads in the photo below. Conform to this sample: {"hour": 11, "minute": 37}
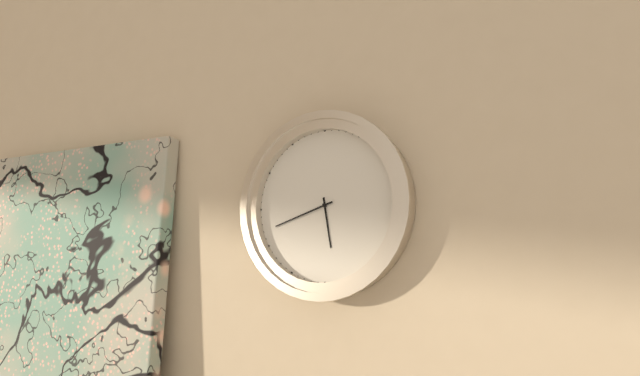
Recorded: {"hour": 5, "minute": 42}
